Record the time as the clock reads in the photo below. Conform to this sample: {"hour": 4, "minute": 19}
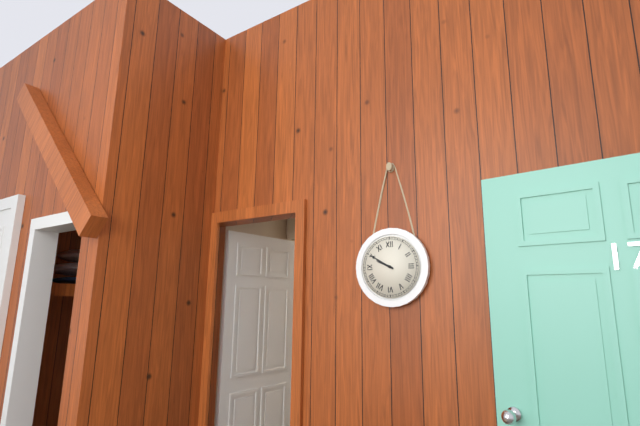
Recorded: {"hour": 9, "minute": 50}
